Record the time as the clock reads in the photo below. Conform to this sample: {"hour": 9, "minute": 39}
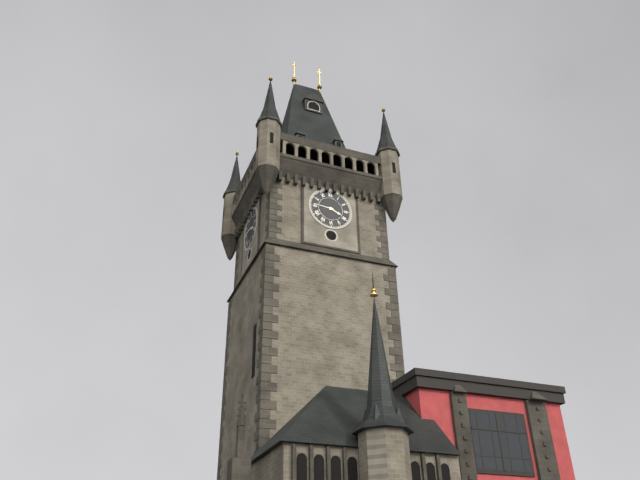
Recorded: {"hour": 3, "minute": 46}
